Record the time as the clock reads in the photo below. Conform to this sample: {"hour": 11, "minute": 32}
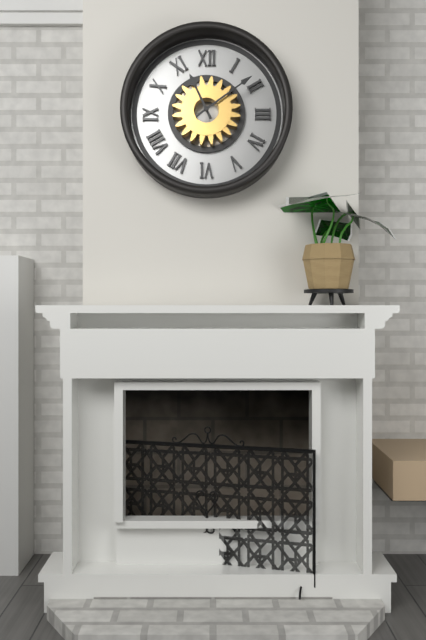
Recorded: {"hour": 11, "minute": 9}
